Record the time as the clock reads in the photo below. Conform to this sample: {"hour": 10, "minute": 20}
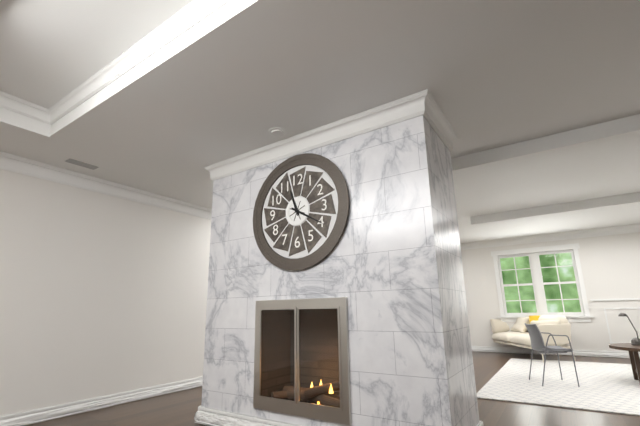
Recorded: {"hour": 11, "minute": 20}
